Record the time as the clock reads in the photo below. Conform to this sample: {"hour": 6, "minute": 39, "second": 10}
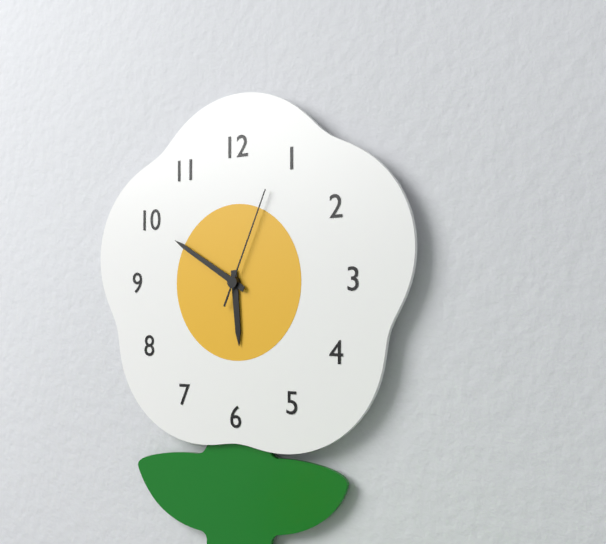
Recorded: {"hour": 5, "minute": 50, "second": 4}
